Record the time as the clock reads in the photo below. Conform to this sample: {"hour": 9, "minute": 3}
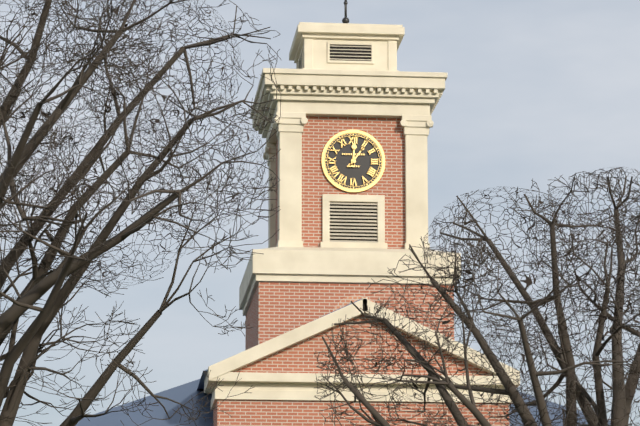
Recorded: {"hour": 12, "minute": 6}
